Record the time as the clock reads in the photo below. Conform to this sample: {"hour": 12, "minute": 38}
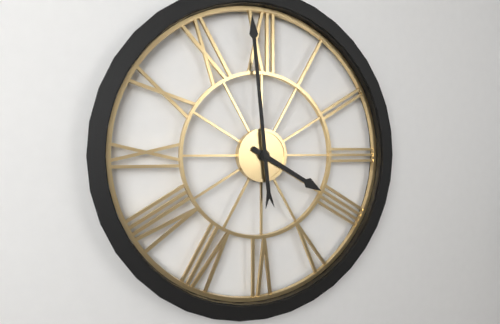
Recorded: {"hour": 3, "minute": 59}
